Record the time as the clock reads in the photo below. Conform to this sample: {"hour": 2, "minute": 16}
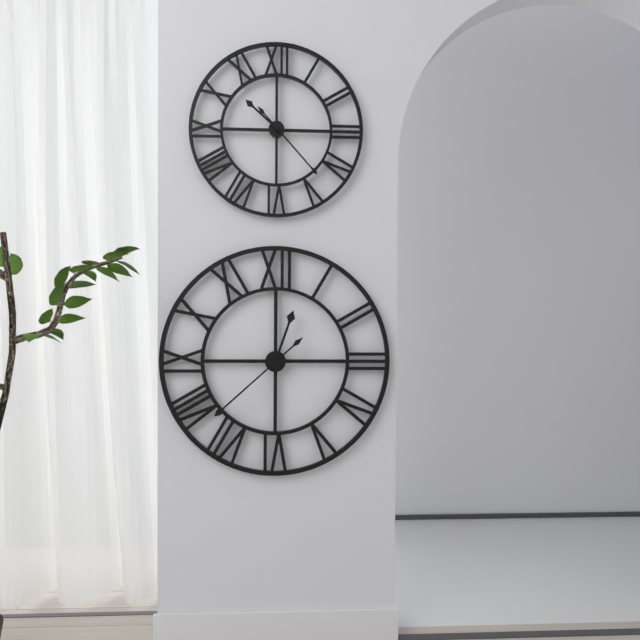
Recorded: {"hour": 12, "minute": 38}
